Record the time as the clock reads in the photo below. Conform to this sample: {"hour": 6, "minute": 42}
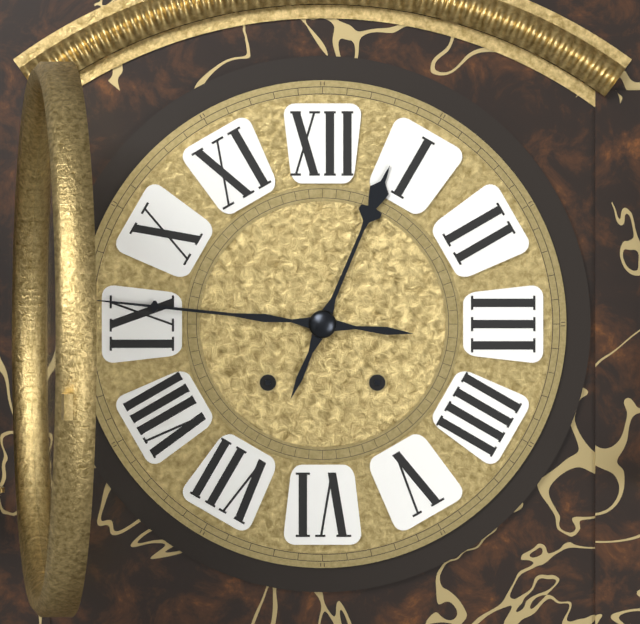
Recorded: {"hour": 12, "minute": 46}
